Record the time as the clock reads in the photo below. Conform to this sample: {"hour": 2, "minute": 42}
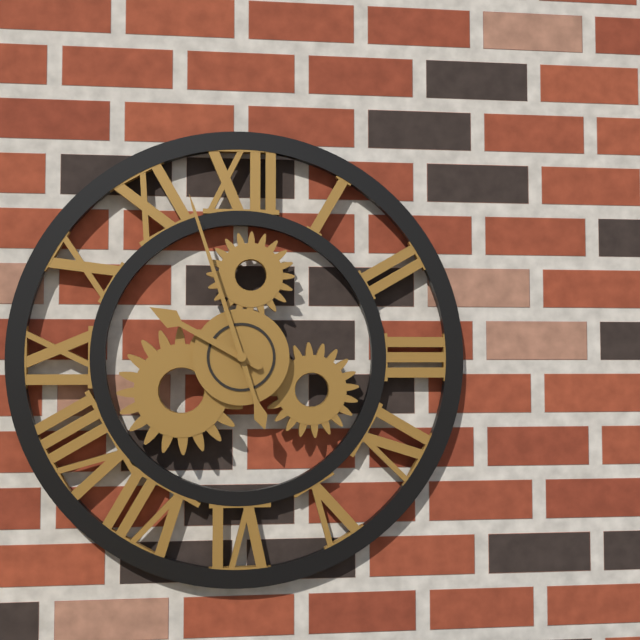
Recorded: {"hour": 9, "minute": 57}
